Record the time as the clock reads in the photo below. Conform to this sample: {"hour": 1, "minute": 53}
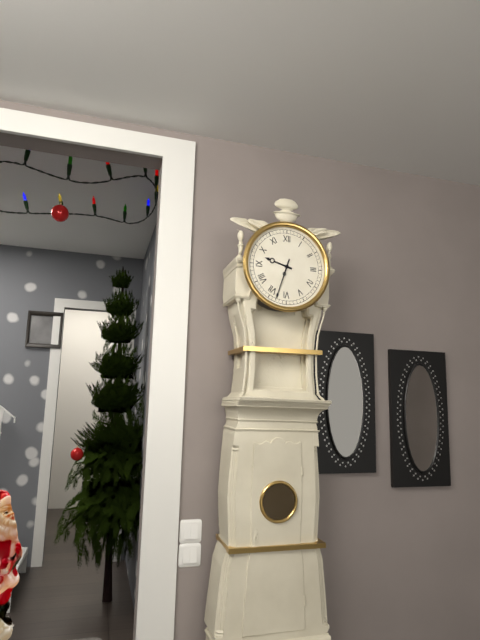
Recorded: {"hour": 9, "minute": 33}
